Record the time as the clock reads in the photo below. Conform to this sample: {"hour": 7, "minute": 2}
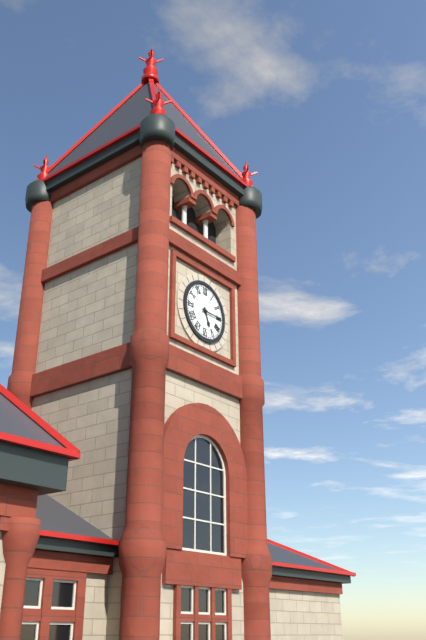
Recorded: {"hour": 5, "minute": 15}
